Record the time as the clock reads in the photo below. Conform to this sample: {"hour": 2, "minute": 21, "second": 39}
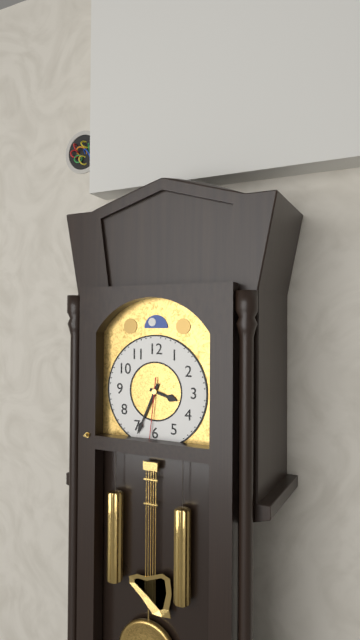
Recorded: {"hour": 3, "minute": 34, "second": 31}
